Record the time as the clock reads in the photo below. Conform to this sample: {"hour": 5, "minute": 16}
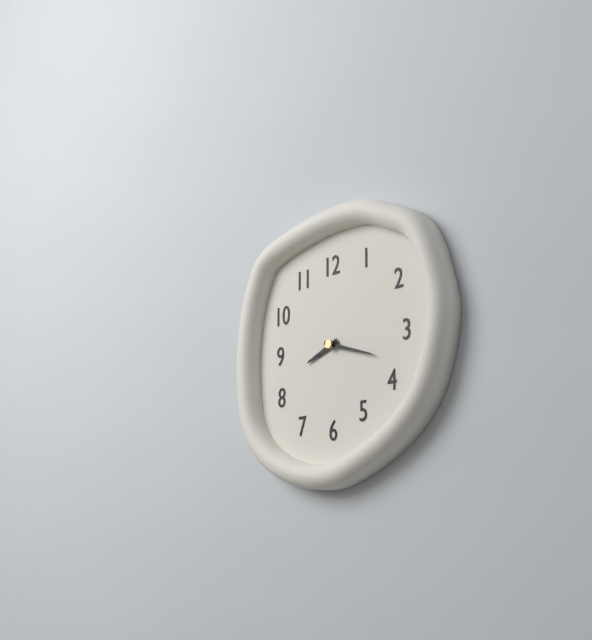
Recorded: {"hour": 8, "minute": 18}
